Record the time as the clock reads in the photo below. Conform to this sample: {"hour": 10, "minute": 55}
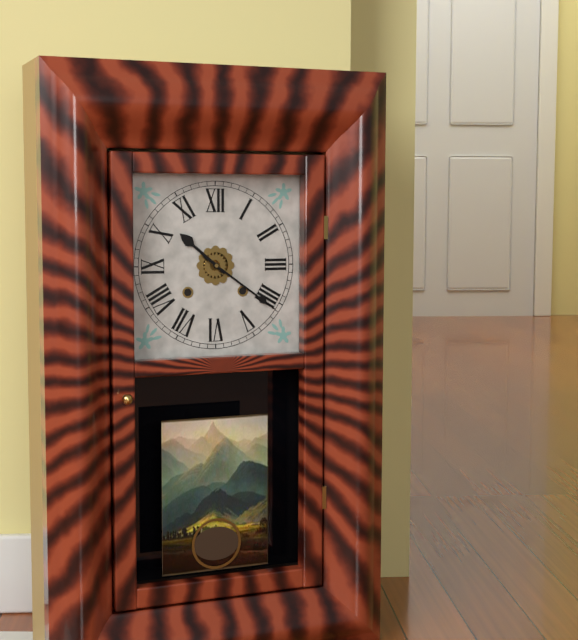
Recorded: {"hour": 10, "minute": 21}
